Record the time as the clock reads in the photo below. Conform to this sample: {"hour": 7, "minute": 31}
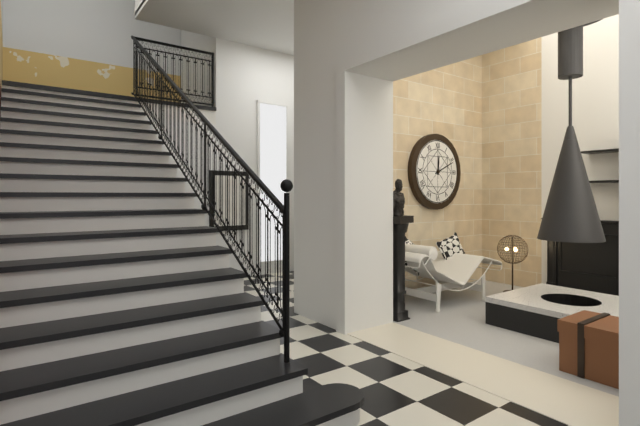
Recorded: {"hour": 12, "minute": 11}
